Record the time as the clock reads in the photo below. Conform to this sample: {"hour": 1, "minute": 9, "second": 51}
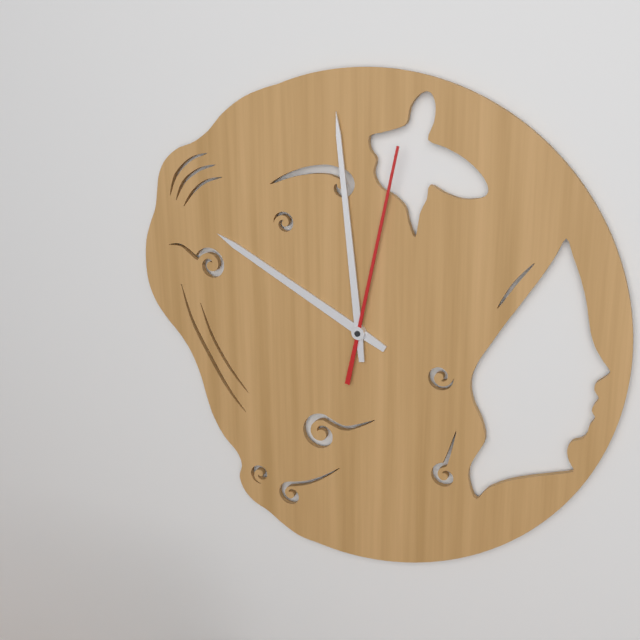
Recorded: {"hour": 9, "minute": 59, "second": 2}
